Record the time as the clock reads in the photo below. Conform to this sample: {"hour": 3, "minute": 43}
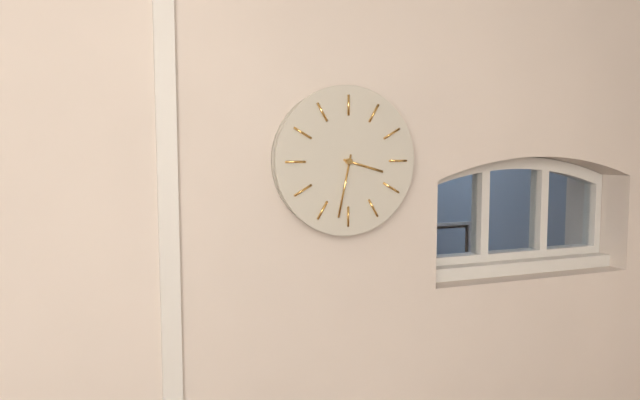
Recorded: {"hour": 3, "minute": 32}
